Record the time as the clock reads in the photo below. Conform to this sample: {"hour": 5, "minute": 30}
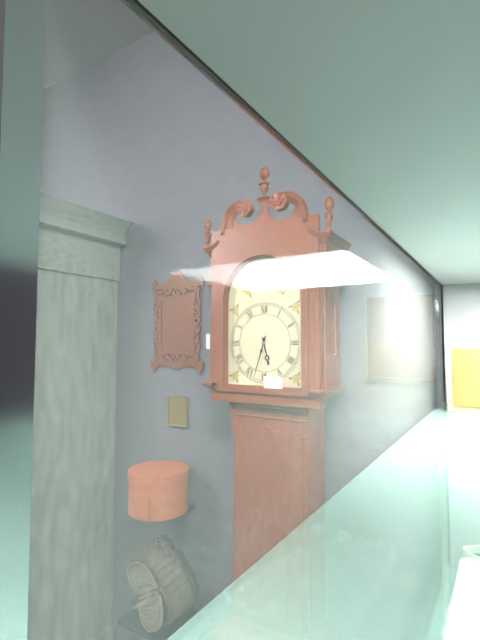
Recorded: {"hour": 5, "minute": 33}
